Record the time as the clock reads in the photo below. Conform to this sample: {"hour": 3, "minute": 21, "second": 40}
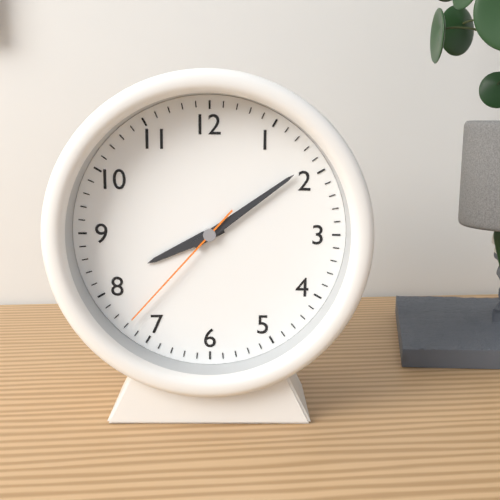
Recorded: {"hour": 8, "minute": 9, "second": 37}
